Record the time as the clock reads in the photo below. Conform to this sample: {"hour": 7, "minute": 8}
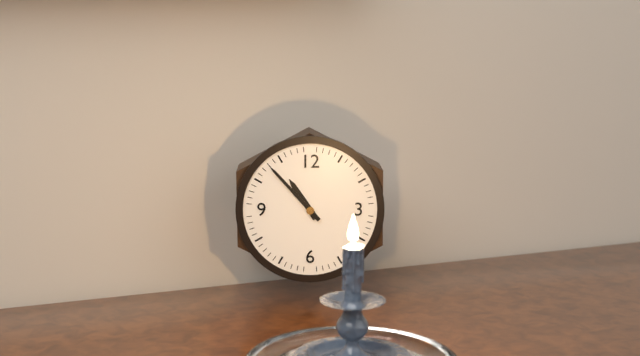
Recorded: {"hour": 10, "minute": 53}
